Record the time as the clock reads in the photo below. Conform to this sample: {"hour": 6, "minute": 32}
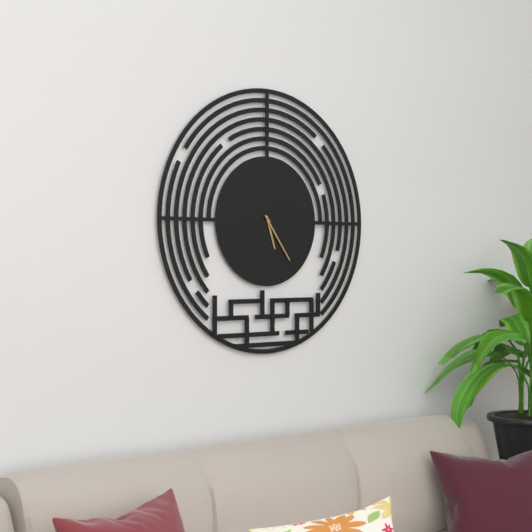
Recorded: {"hour": 5, "minute": 24}
